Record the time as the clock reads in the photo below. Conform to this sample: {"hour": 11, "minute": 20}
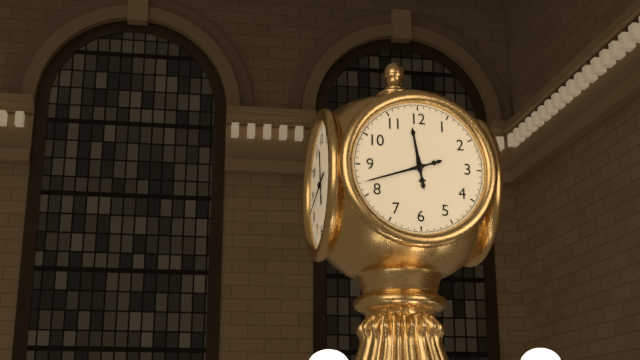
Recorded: {"hour": 11, "minute": 42}
